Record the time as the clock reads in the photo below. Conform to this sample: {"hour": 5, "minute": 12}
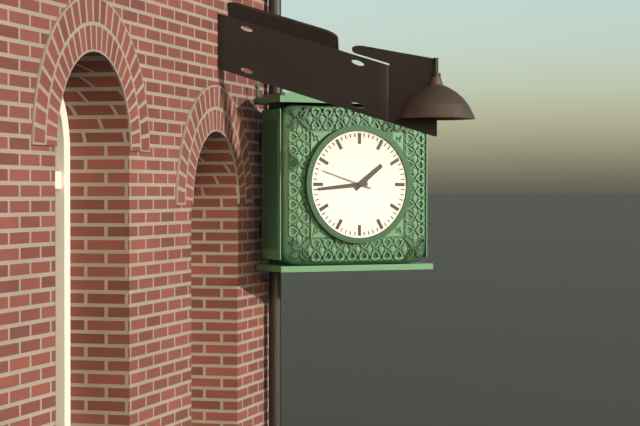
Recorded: {"hour": 1, "minute": 44}
